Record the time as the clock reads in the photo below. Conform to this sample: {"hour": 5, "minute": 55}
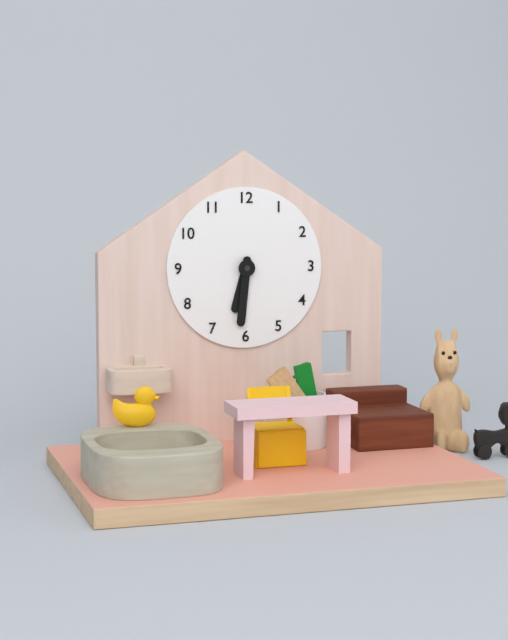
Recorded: {"hour": 6, "minute": 31}
